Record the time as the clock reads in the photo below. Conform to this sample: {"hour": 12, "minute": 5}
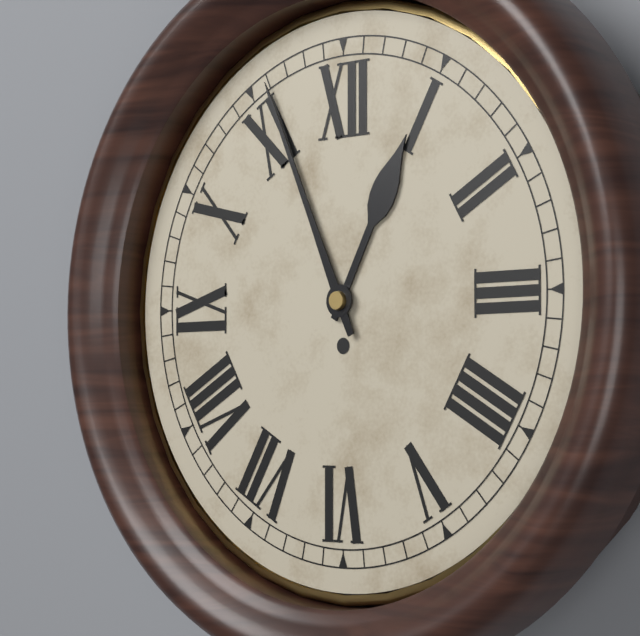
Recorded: {"hour": 12, "minute": 56}
